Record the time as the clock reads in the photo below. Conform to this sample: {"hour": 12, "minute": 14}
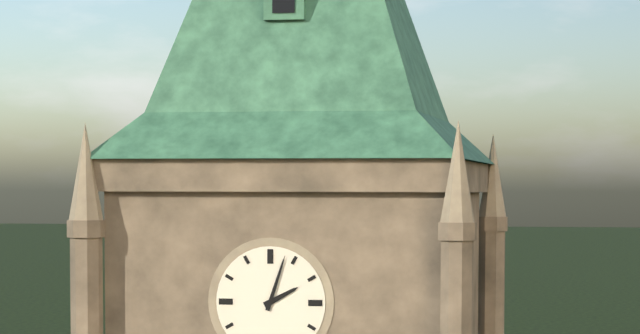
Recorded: {"hour": 2, "minute": 3}
